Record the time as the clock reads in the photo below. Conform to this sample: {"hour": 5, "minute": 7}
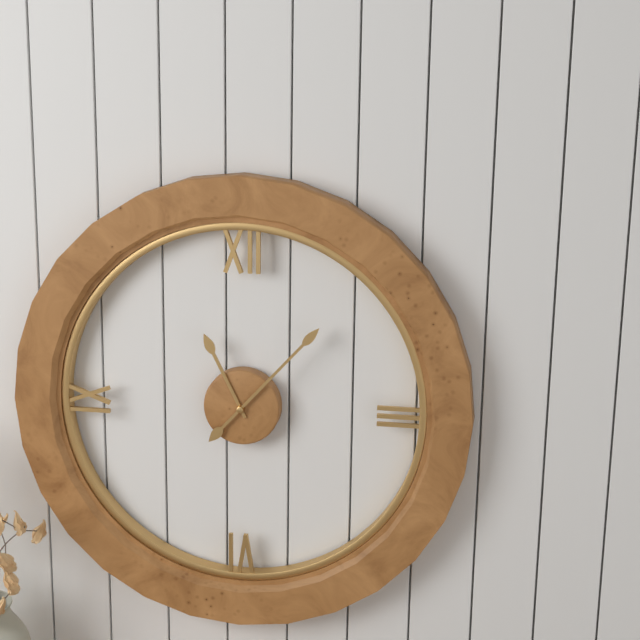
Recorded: {"hour": 11, "minute": 7}
